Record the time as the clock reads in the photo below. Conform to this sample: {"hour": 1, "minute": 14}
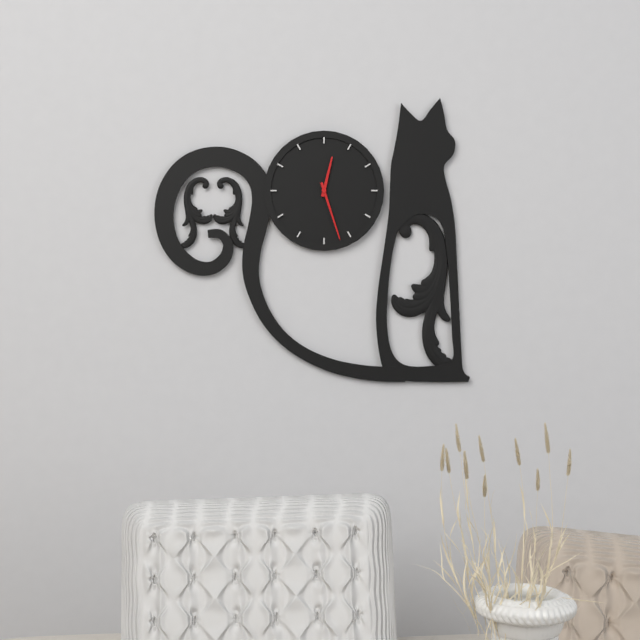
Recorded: {"hour": 12, "minute": 27}
